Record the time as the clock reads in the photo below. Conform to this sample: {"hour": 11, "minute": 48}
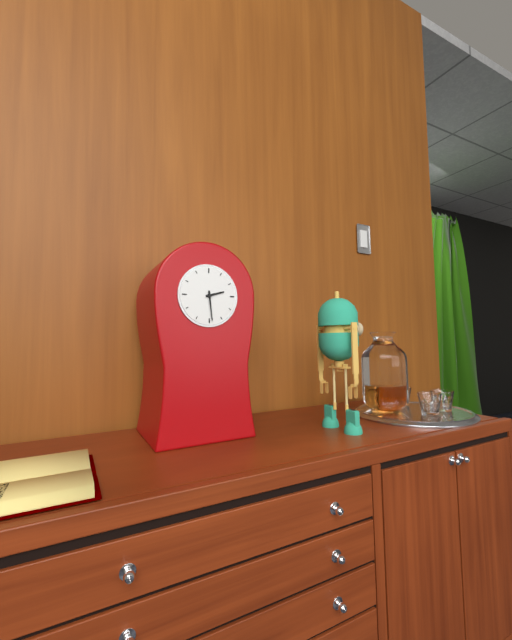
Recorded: {"hour": 2, "minute": 29}
